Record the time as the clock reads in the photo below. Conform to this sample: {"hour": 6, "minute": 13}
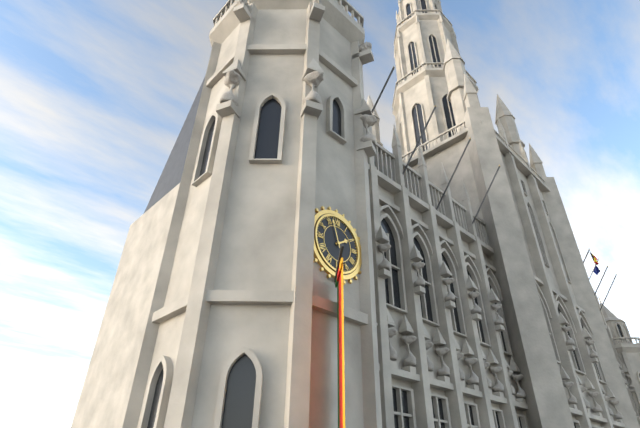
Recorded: {"hour": 1, "minute": 57}
